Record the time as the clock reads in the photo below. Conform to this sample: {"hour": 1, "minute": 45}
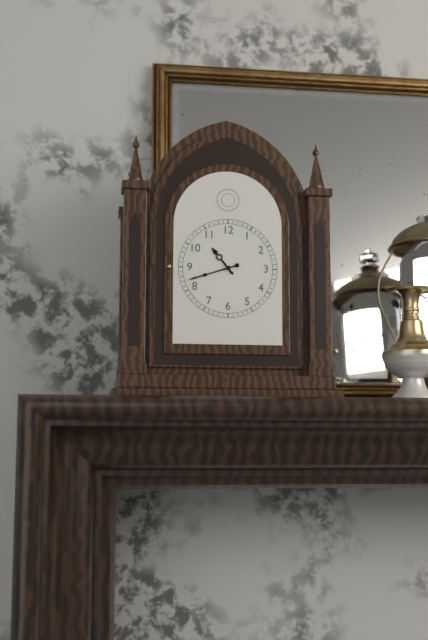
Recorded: {"hour": 10, "minute": 42}
